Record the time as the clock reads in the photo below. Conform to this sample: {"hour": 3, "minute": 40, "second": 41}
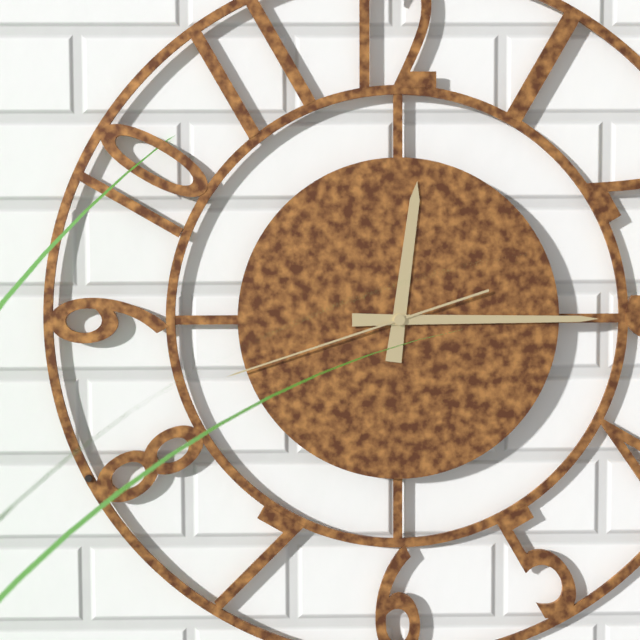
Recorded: {"hour": 12, "minute": 15, "second": 42}
